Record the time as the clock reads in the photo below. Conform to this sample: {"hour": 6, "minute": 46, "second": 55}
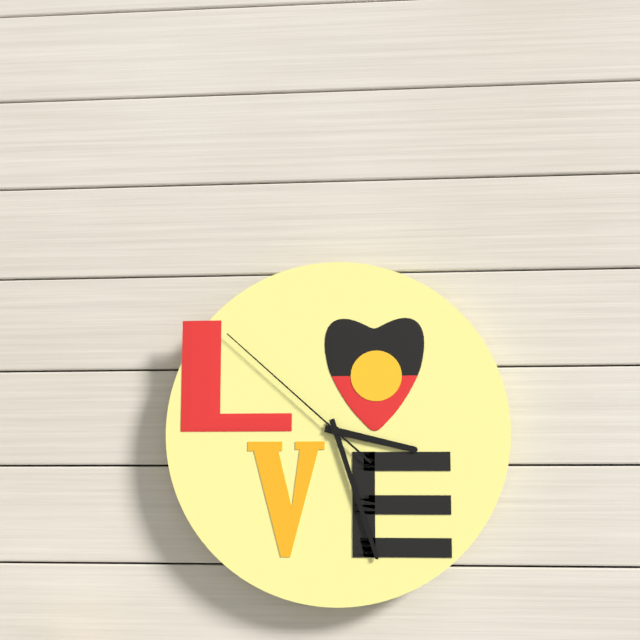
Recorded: {"hour": 3, "minute": 27, "second": 52}
